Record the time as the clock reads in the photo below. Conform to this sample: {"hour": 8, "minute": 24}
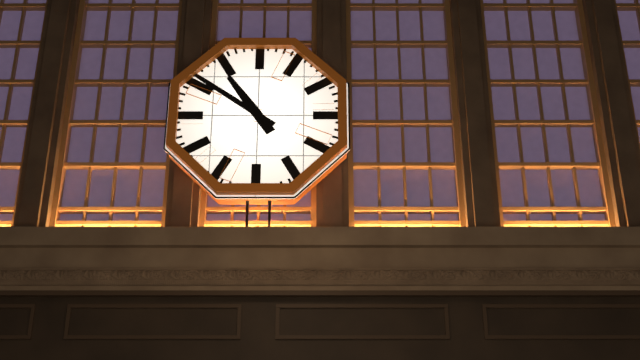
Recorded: {"hour": 10, "minute": 51}
